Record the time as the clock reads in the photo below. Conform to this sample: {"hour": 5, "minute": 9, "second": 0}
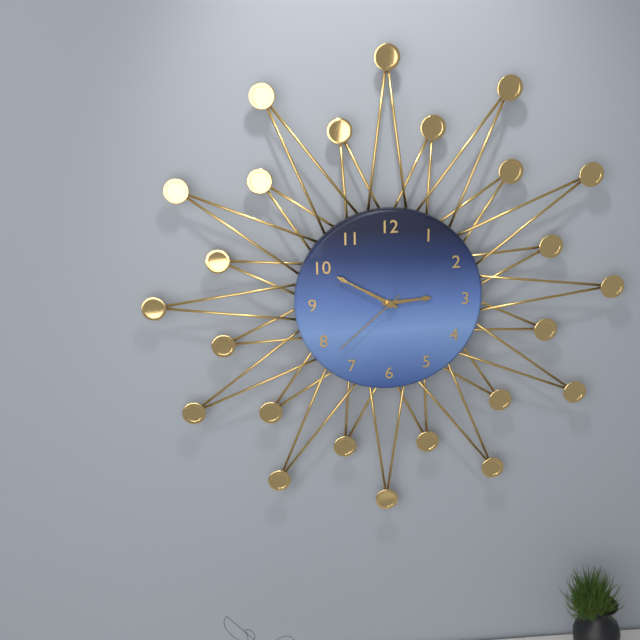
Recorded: {"hour": 2, "minute": 50, "second": 38}
